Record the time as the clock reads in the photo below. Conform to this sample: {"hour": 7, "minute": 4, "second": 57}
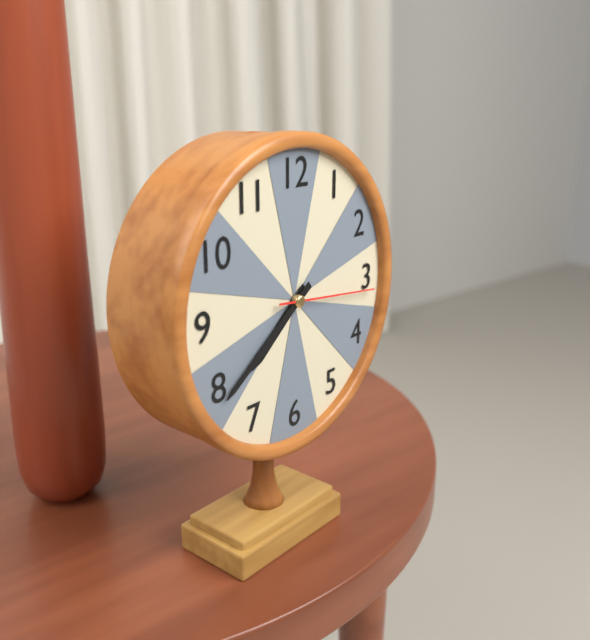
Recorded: {"hour": 7, "minute": 39, "second": 16}
